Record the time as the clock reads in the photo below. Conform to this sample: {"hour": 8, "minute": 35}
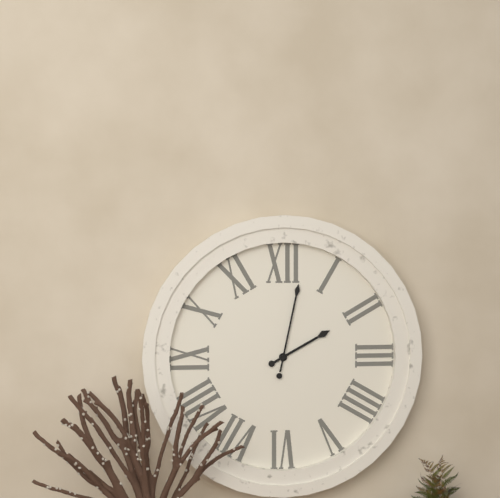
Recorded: {"hour": 2, "minute": 2}
